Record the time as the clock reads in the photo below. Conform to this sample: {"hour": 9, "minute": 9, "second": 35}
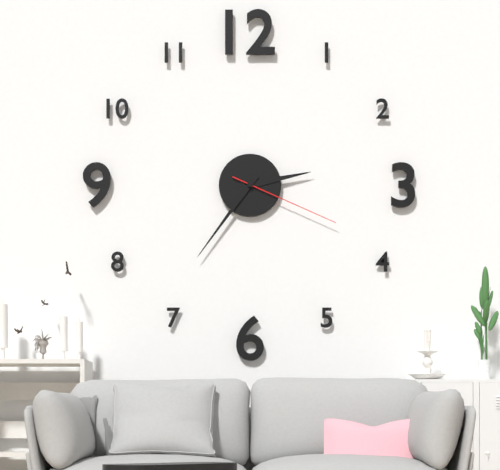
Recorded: {"hour": 2, "minute": 36, "second": 19}
